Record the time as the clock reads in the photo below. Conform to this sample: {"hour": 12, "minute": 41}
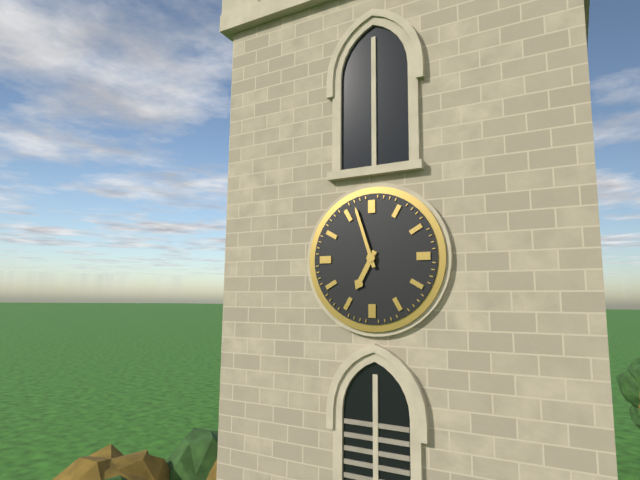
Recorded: {"hour": 6, "minute": 57}
